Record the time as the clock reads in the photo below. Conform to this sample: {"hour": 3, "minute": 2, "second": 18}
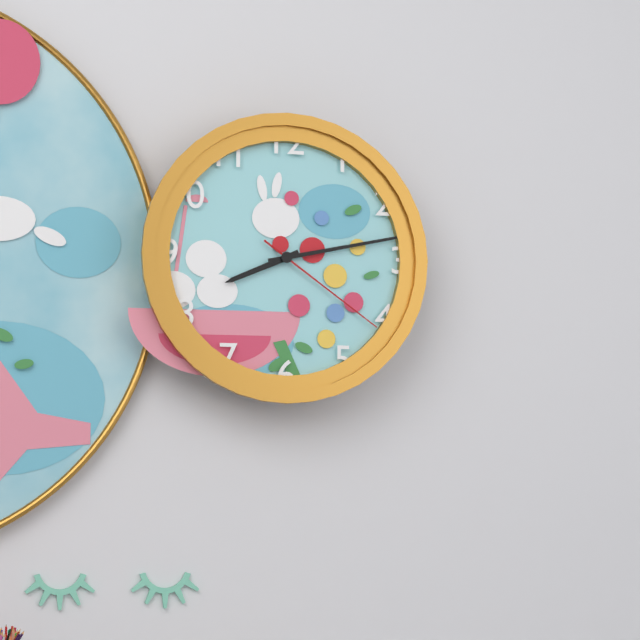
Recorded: {"hour": 8, "minute": 13, "second": 21}
